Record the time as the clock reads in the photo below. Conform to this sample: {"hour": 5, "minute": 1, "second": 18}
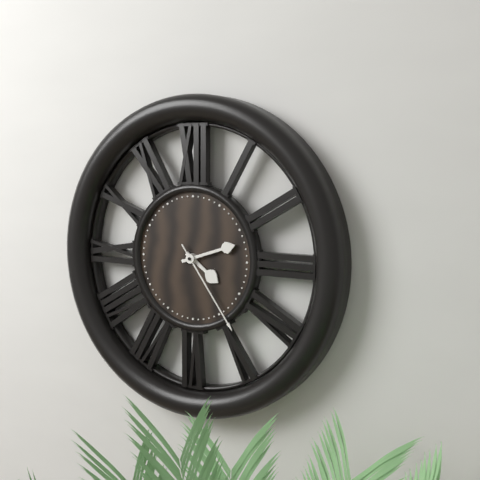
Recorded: {"hour": 4, "minute": 12, "second": 24}
